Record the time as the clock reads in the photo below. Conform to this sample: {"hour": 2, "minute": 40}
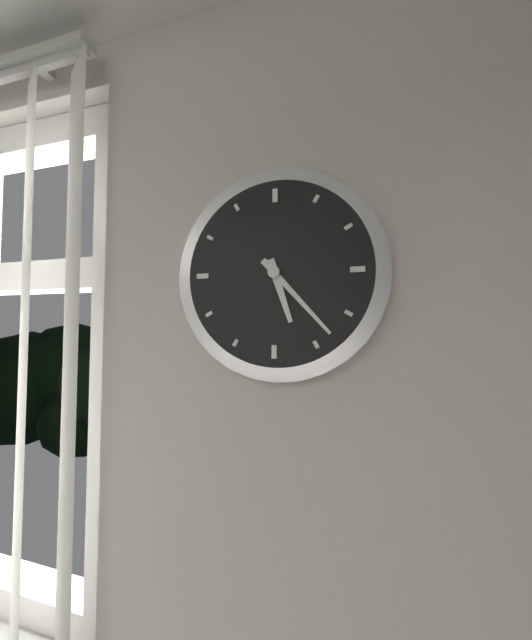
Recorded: {"hour": 5, "minute": 23}
